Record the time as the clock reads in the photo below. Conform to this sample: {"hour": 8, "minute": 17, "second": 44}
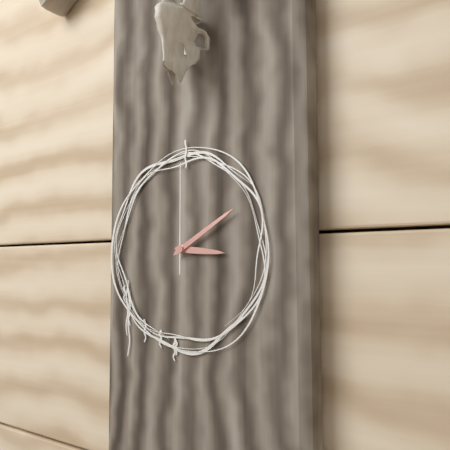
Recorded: {"hour": 3, "minute": 10, "second": 0}
